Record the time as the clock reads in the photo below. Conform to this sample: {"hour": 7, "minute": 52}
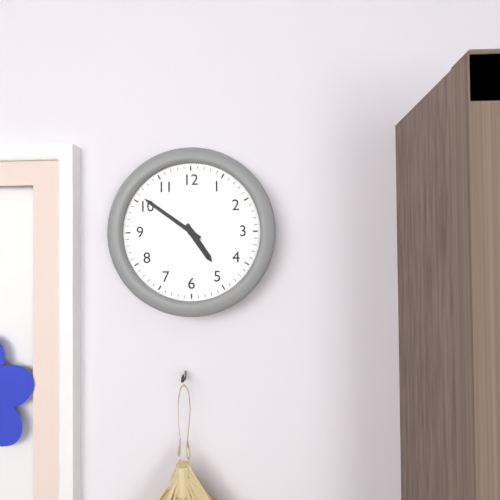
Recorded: {"hour": 4, "minute": 51}
